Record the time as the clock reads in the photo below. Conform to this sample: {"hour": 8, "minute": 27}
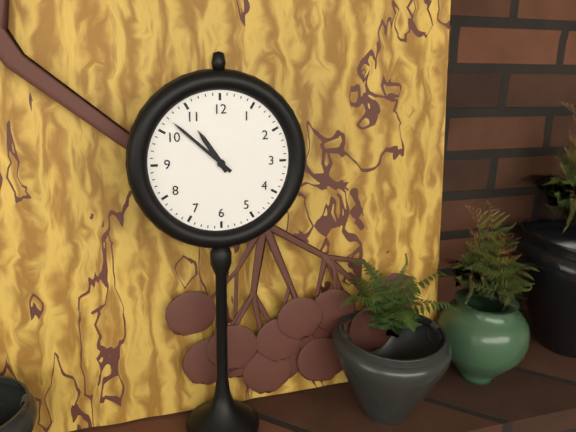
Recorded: {"hour": 10, "minute": 52}
